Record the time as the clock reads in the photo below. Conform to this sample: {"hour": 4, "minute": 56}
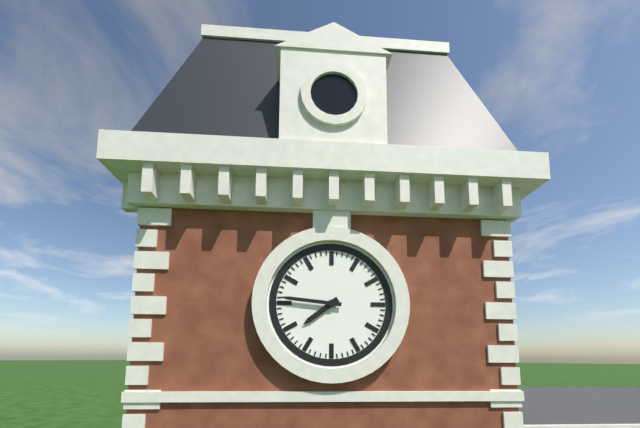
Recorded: {"hour": 7, "minute": 46}
